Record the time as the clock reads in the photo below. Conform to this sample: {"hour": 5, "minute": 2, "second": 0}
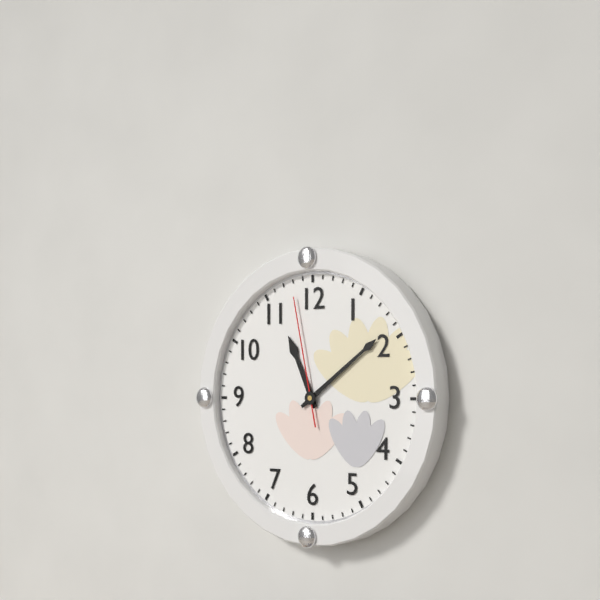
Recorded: {"hour": 11, "minute": 9, "second": 58}
